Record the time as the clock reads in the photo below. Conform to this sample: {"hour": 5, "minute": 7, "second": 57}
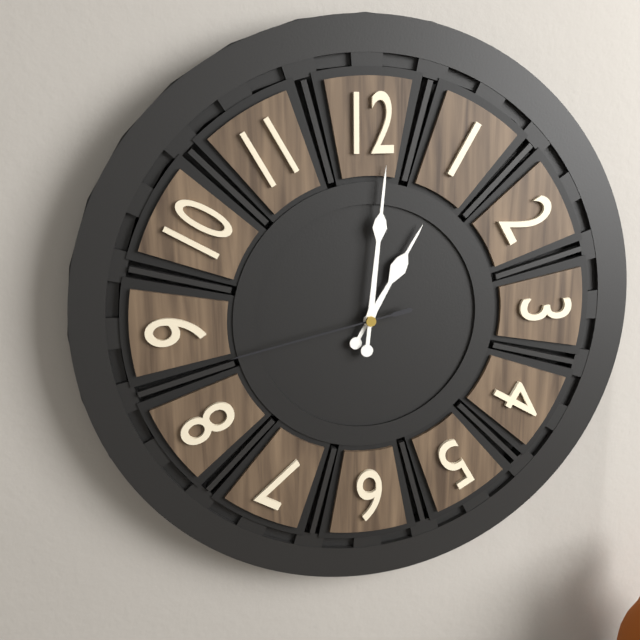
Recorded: {"hour": 1, "minute": 1, "second": 43}
